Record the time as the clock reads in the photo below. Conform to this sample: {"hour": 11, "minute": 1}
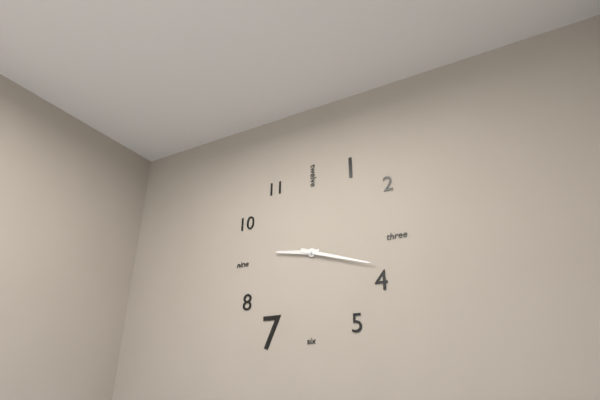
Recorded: {"hour": 9, "minute": 18}
